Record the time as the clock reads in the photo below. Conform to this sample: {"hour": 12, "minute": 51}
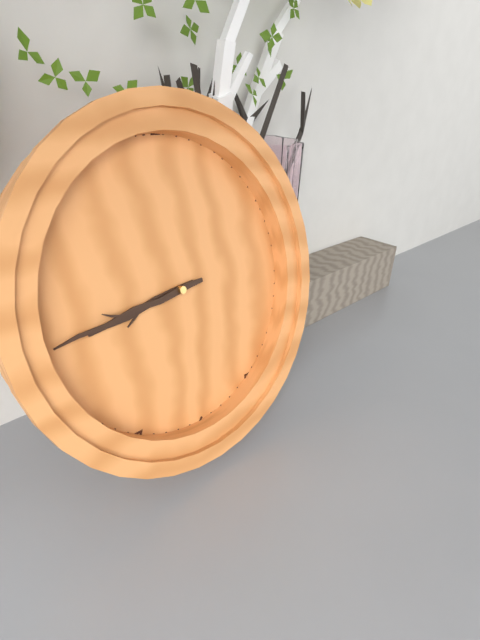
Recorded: {"hour": 8, "minute": 44}
